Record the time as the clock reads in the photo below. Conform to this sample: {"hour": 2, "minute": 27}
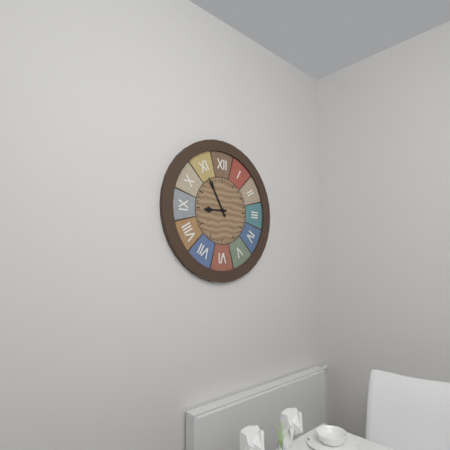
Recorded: {"hour": 8, "minute": 55}
